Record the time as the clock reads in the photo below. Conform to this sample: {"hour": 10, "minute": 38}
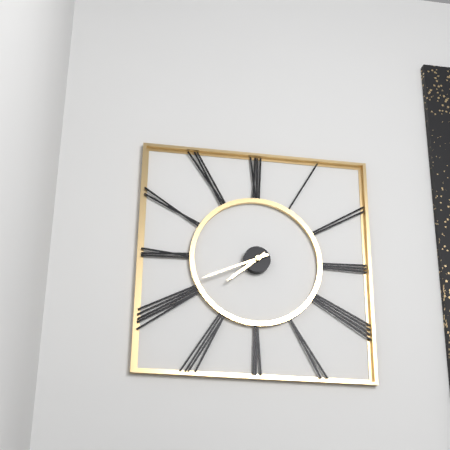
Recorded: {"hour": 7, "minute": 41}
